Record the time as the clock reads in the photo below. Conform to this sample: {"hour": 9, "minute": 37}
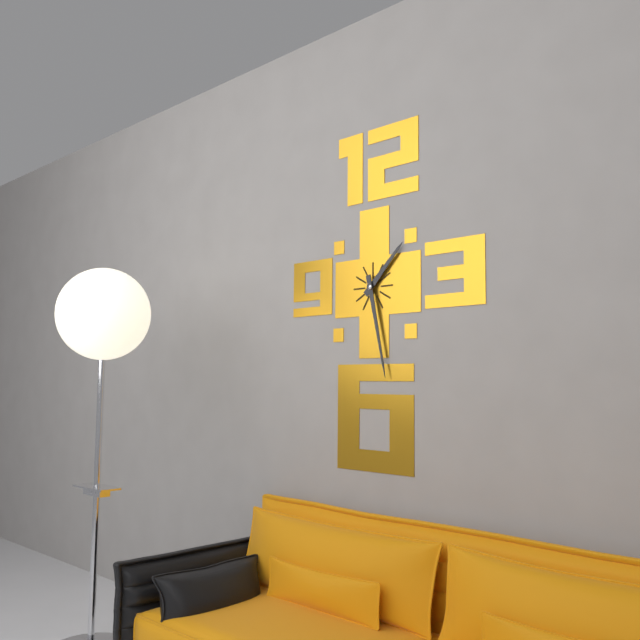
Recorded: {"hour": 1, "minute": 28}
